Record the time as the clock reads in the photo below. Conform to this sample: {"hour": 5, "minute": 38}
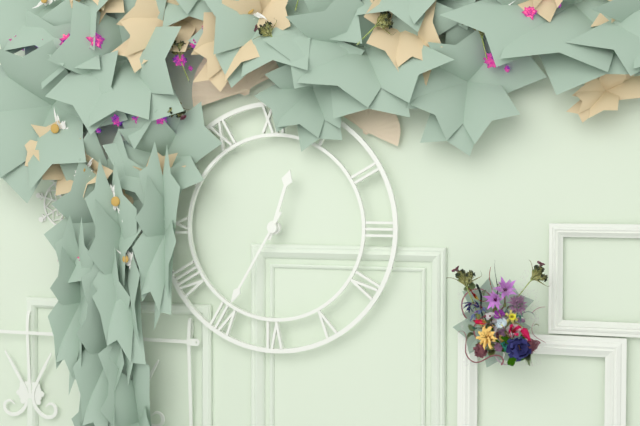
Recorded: {"hour": 12, "minute": 35}
